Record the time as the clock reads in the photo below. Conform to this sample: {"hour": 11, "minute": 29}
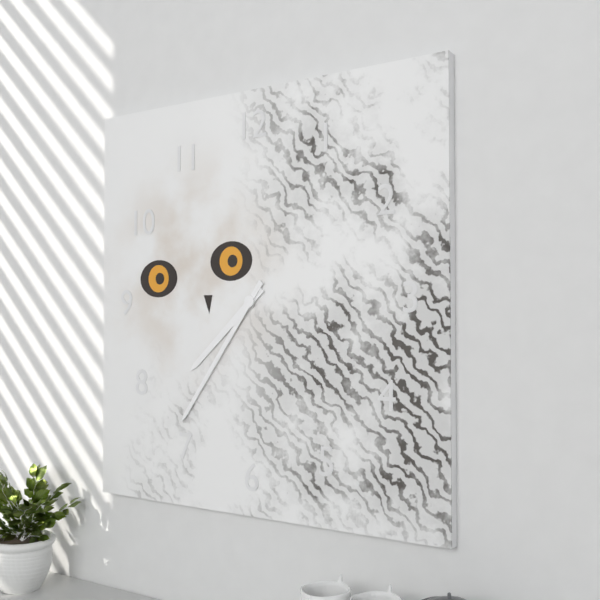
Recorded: {"hour": 7, "minute": 36}
